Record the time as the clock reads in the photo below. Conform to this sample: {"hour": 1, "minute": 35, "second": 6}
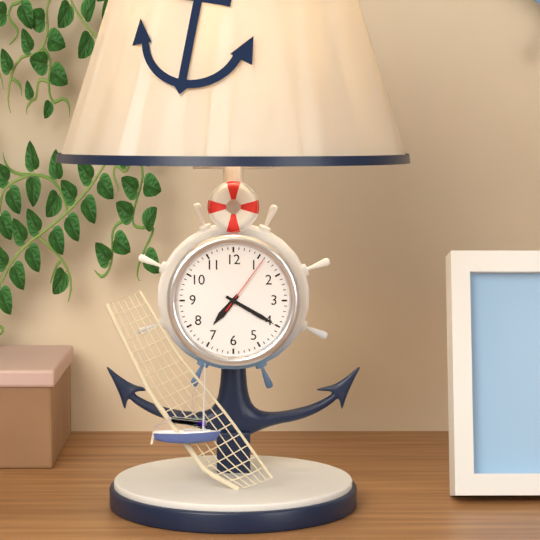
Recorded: {"hour": 7, "minute": 20, "second": 6}
